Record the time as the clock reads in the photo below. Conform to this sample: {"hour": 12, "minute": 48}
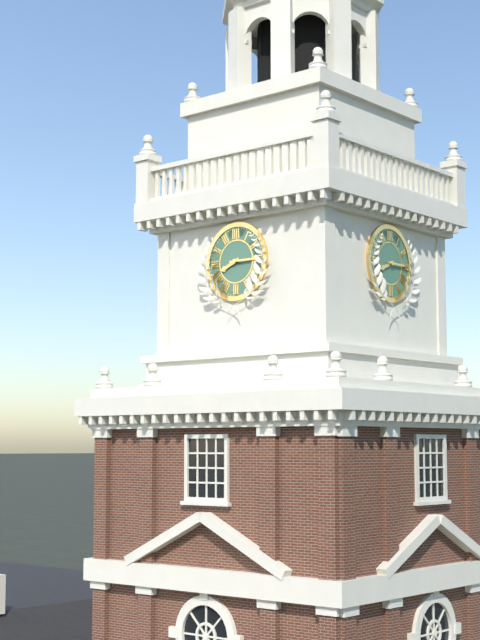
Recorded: {"hour": 8, "minute": 15}
